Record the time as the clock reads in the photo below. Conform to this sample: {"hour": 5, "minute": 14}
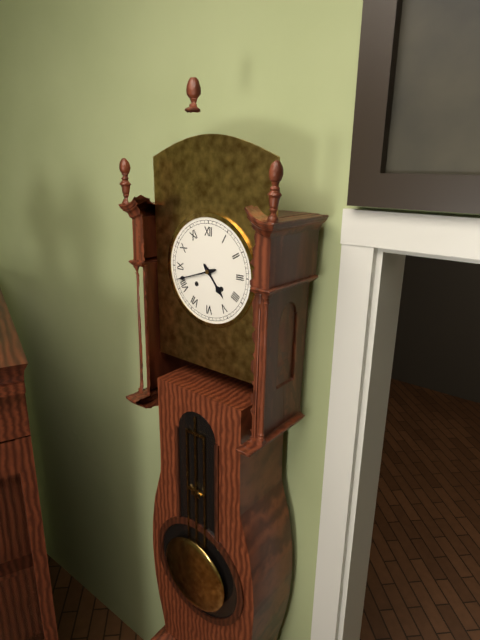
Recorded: {"hour": 4, "minute": 42}
